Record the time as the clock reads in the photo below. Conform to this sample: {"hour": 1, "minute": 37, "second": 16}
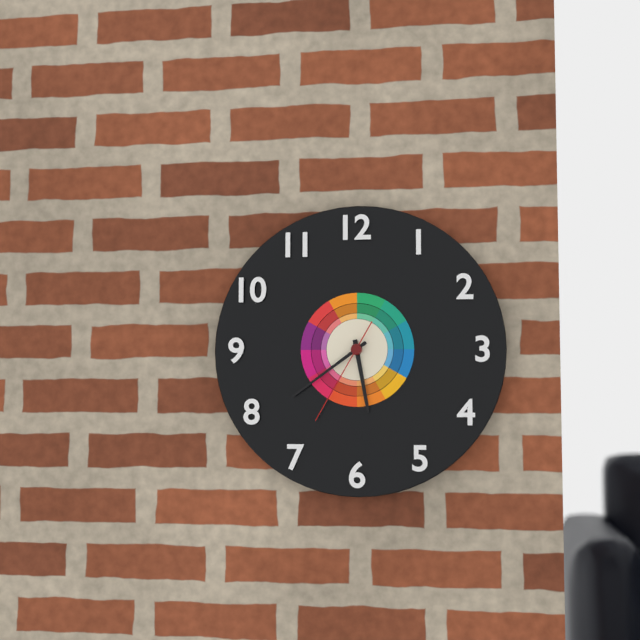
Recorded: {"hour": 5, "minute": 39, "second": 35}
